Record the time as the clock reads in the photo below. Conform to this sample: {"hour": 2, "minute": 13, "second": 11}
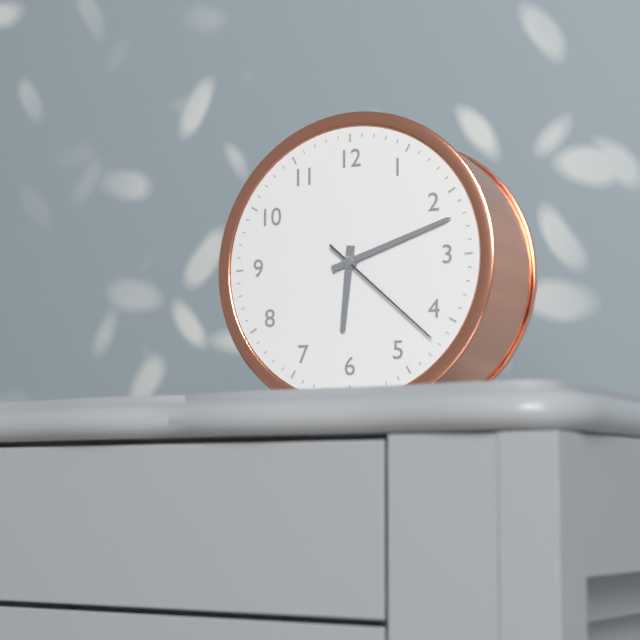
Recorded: {"hour": 6, "minute": 12, "second": 22}
